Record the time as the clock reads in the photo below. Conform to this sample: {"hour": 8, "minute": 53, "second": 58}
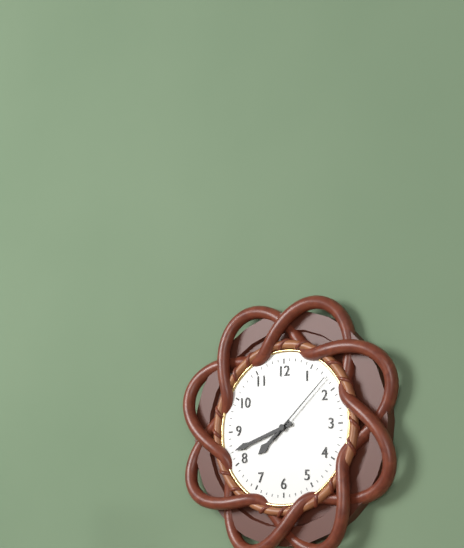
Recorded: {"hour": 7, "minute": 42, "second": 8}
